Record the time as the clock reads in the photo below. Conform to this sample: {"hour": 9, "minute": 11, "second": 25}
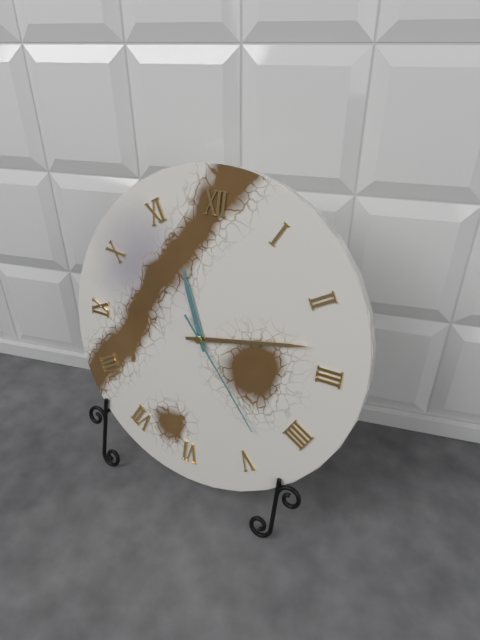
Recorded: {"hour": 11, "minute": 13, "second": 23}
